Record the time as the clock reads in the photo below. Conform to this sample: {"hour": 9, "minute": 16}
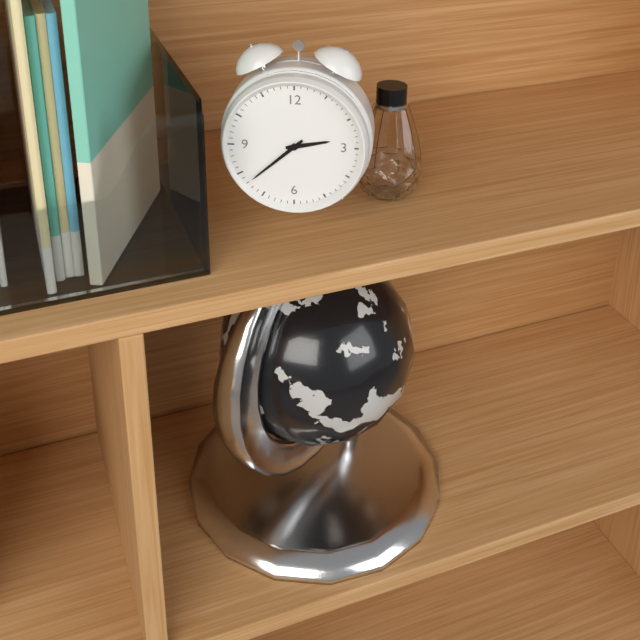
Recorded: {"hour": 2, "minute": 38}
